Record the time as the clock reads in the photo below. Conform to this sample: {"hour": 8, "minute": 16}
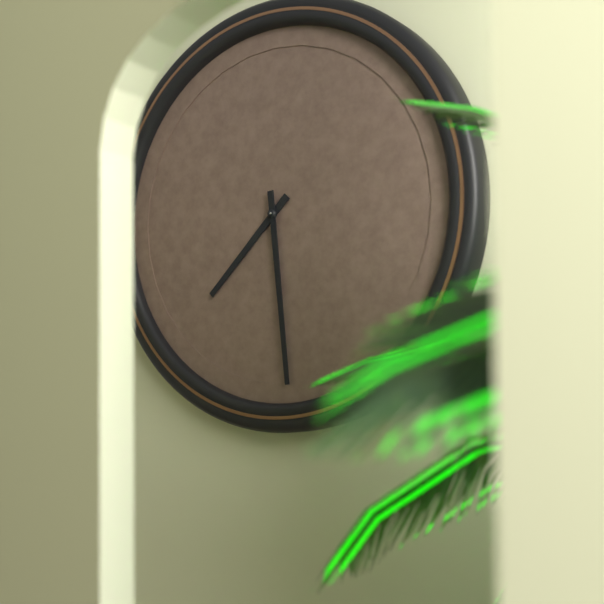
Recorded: {"hour": 7, "minute": 29}
